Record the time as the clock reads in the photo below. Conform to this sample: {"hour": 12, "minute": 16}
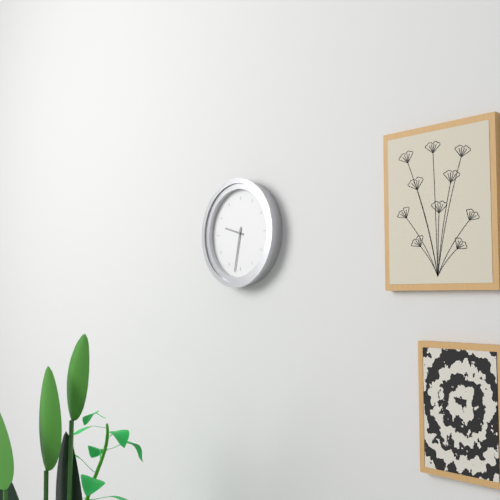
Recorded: {"hour": 9, "minute": 32}
